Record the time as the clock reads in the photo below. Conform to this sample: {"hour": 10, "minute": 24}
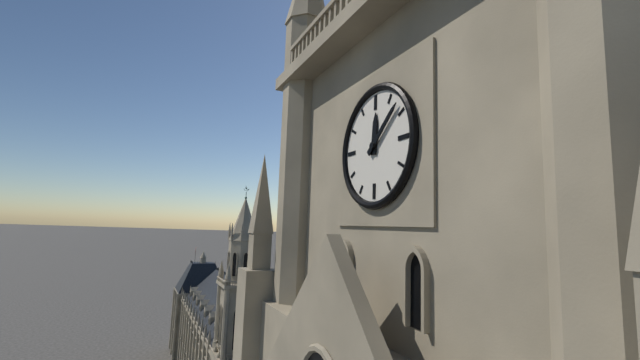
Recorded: {"hour": 12, "minute": 8}
